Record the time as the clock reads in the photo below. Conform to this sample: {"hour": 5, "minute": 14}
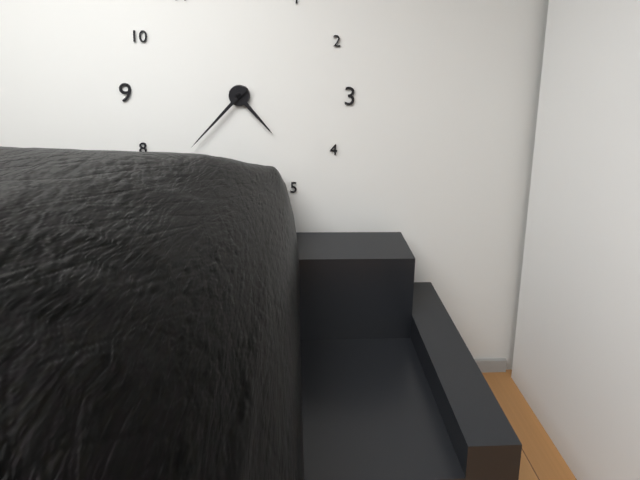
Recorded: {"hour": 4, "minute": 37}
